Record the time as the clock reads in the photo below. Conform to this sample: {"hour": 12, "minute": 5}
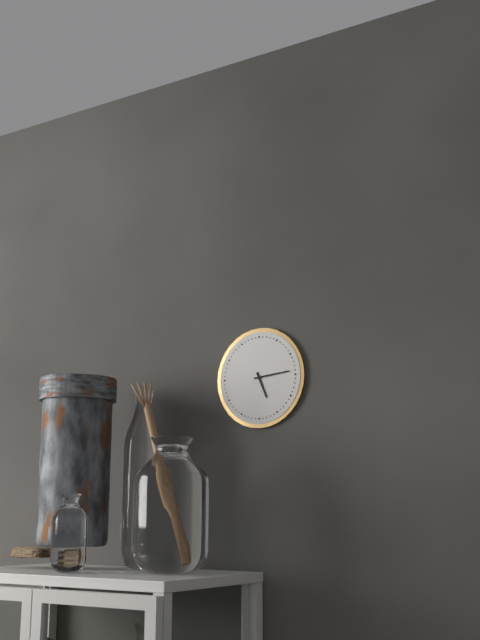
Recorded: {"hour": 5, "minute": 14}
